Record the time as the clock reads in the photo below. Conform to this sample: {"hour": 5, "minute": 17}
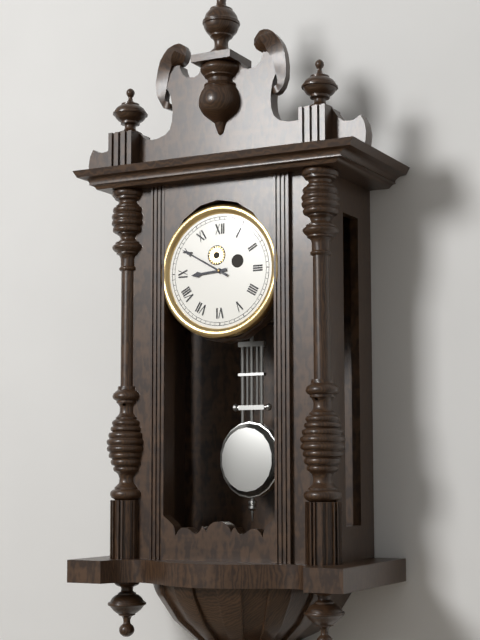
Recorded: {"hour": 8, "minute": 50}
